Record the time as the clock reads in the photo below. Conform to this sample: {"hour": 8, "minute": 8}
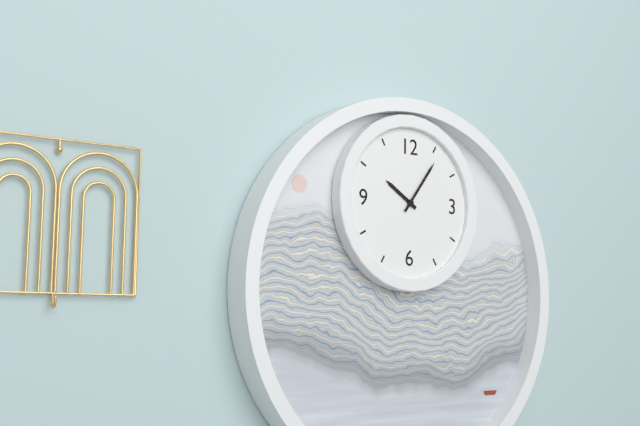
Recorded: {"hour": 10, "minute": 6}
